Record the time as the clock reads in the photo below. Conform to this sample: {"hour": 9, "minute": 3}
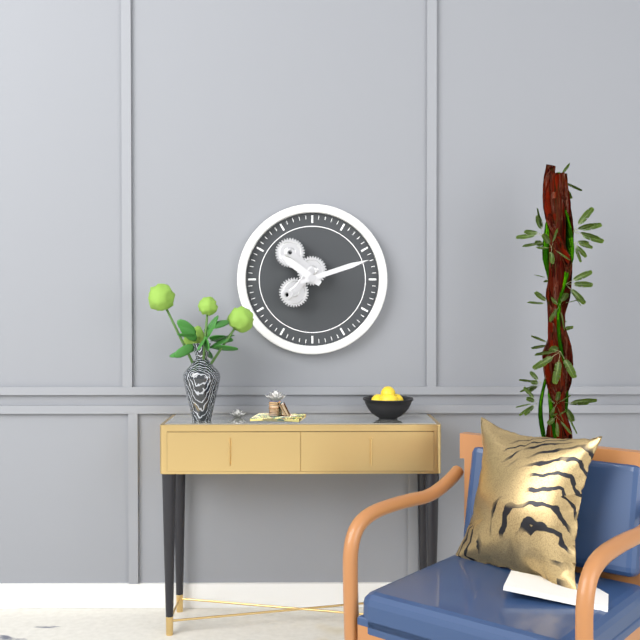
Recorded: {"hour": 10, "minute": 12}
